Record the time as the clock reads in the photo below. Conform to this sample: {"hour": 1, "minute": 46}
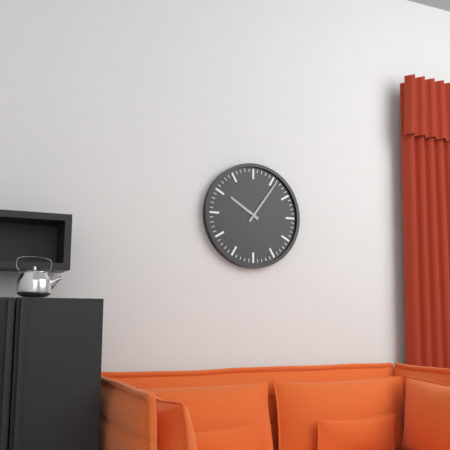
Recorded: {"hour": 10, "minute": 6}
